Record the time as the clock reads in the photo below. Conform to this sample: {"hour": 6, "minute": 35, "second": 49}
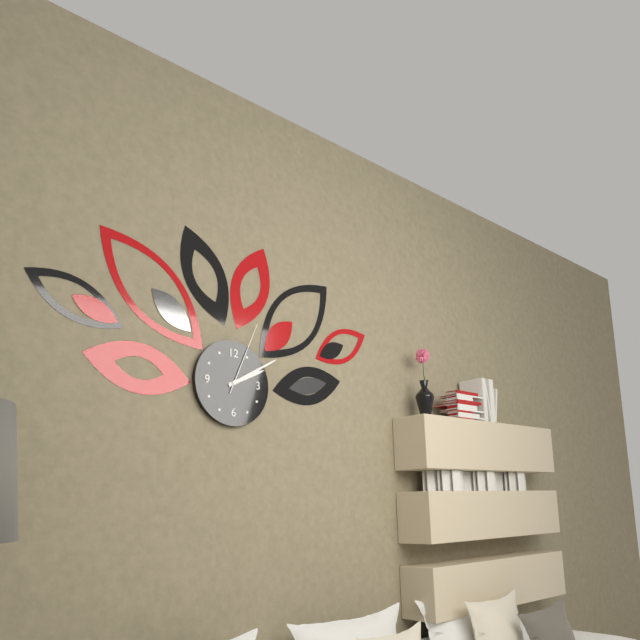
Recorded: {"hour": 2, "minute": 10, "second": 4}
